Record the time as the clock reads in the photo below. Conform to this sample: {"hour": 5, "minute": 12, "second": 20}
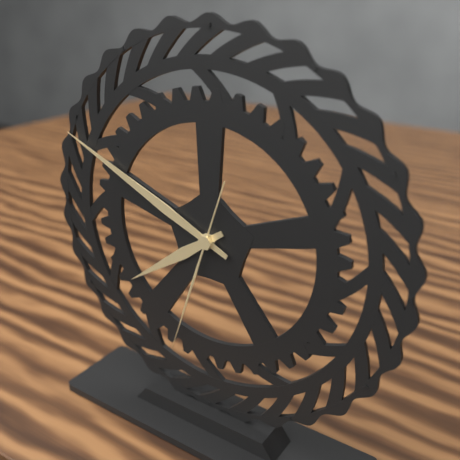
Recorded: {"hour": 7, "minute": 49, "second": 33}
